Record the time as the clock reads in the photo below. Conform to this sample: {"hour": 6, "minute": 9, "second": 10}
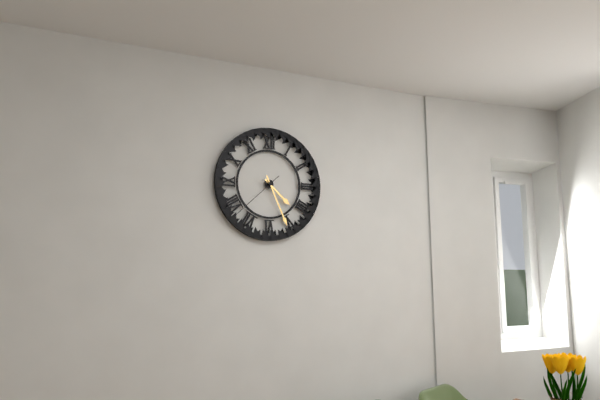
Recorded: {"hour": 4, "minute": 26, "second": 38}
